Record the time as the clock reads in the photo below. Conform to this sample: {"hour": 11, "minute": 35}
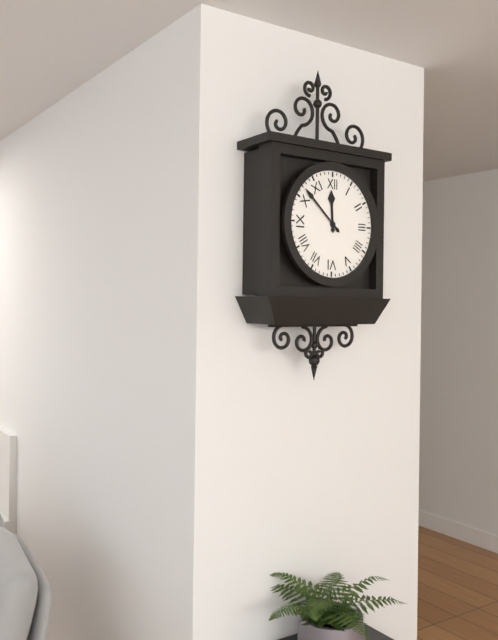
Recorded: {"hour": 11, "minute": 52}
